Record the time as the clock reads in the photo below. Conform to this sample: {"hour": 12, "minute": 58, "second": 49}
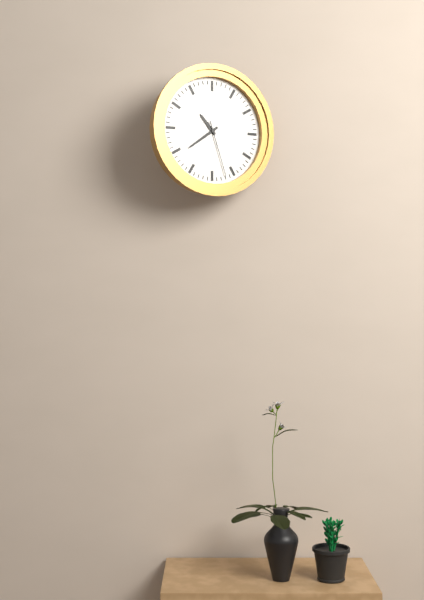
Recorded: {"hour": 10, "minute": 39, "second": 27}
